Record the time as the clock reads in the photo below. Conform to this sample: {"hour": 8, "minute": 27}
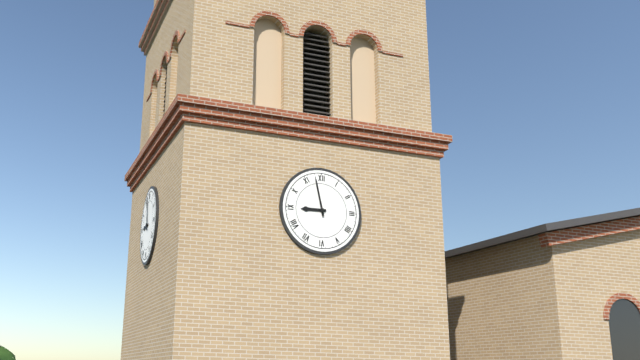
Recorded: {"hour": 8, "minute": 58}
